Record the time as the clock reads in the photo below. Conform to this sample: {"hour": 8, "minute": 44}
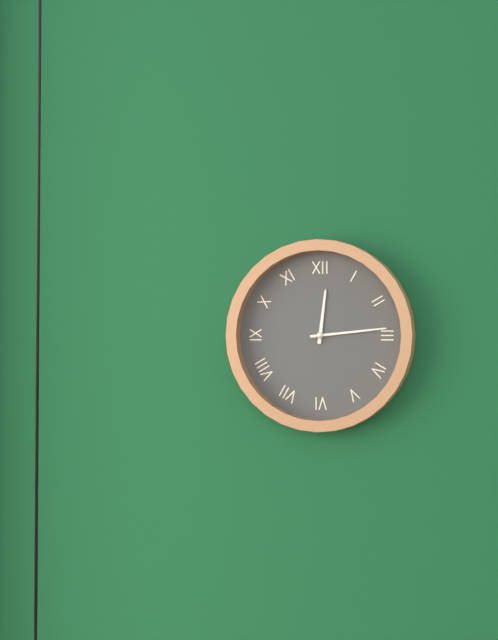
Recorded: {"hour": 12, "minute": 14}
